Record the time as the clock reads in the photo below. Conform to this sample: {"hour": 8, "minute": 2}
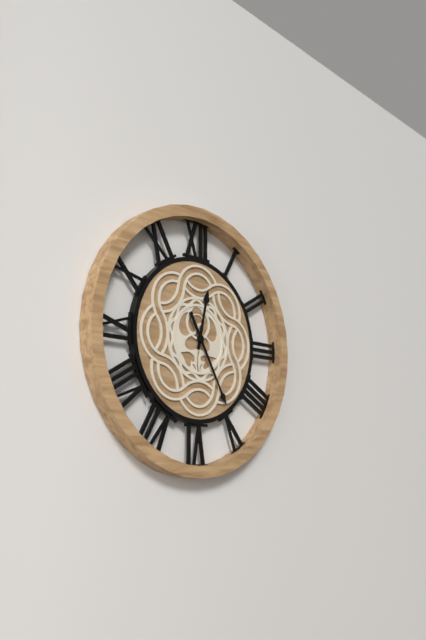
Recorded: {"hour": 12, "minute": 25}
